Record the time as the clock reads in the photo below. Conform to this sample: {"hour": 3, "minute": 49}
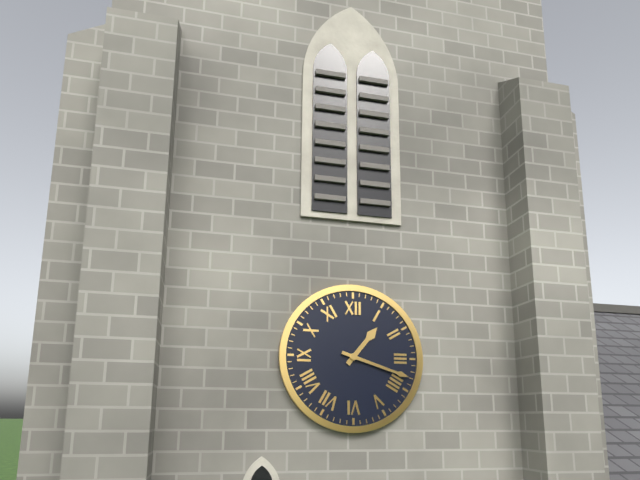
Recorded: {"hour": 1, "minute": 18}
